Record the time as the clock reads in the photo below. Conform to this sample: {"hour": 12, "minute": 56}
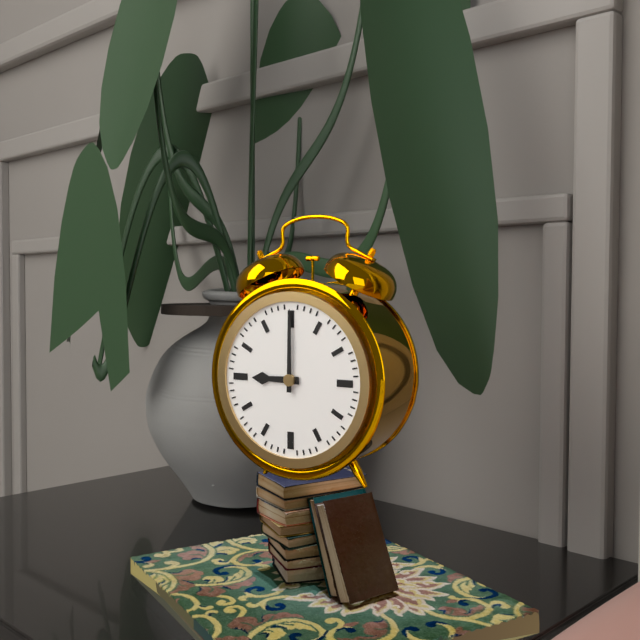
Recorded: {"hour": 9, "minute": 0}
